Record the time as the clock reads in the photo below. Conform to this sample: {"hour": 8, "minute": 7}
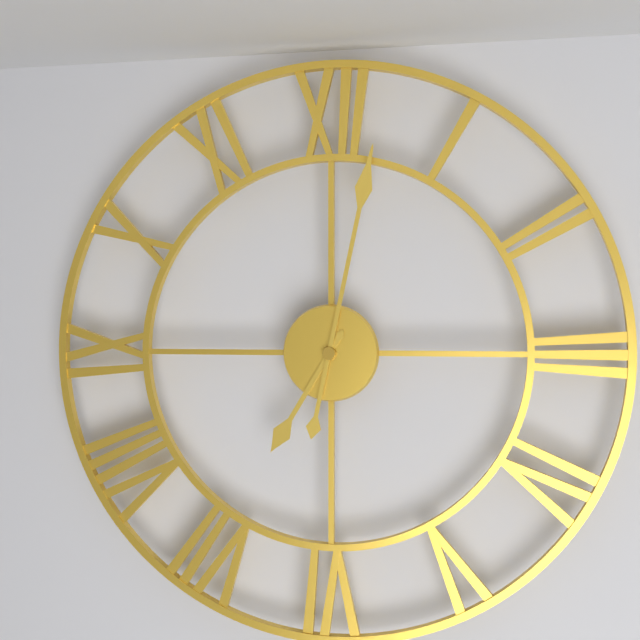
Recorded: {"hour": 7, "minute": 2}
